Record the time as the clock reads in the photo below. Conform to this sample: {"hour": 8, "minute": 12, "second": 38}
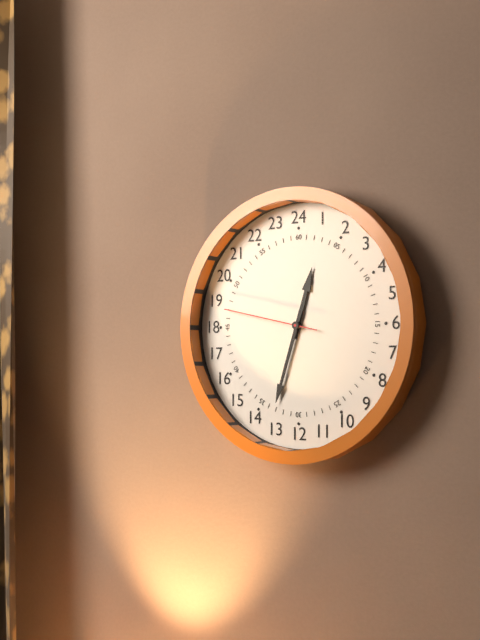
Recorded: {"hour": 12, "minute": 33, "second": 47}
